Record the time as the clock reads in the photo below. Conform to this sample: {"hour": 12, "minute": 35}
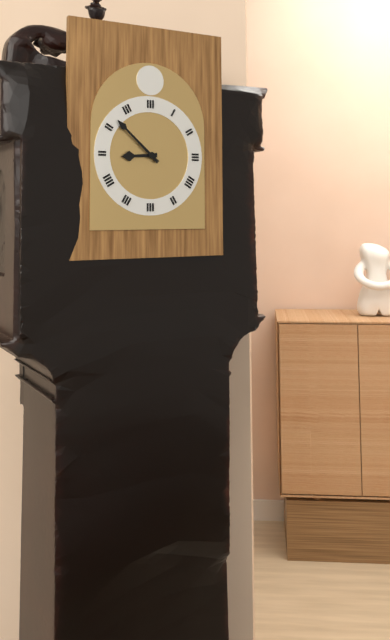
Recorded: {"hour": 8, "minute": 52}
